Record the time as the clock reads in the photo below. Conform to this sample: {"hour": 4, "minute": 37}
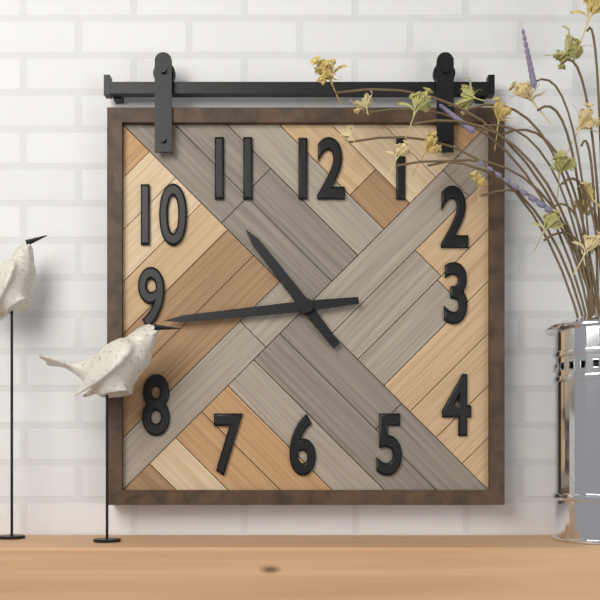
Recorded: {"hour": 10, "minute": 44}
